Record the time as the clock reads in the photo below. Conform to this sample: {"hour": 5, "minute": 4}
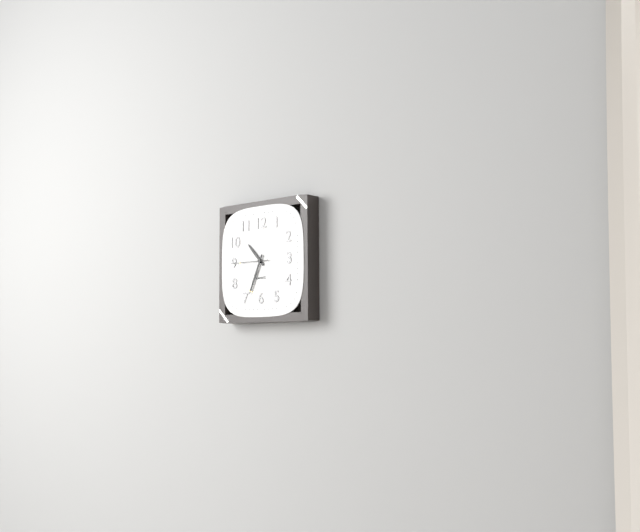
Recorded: {"hour": 10, "minute": 34}
